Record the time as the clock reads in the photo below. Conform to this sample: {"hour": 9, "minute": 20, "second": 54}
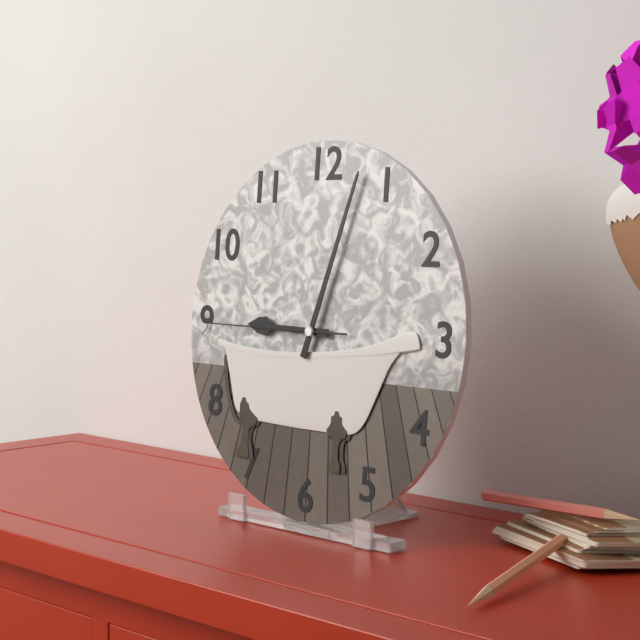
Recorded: {"hour": 9, "minute": 3, "second": 45}
